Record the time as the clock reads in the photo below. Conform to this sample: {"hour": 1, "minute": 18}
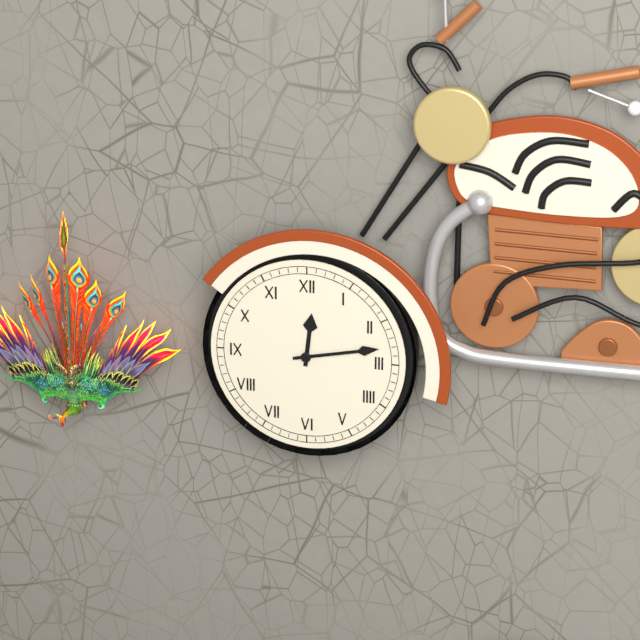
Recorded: {"hour": 12, "minute": 13}
